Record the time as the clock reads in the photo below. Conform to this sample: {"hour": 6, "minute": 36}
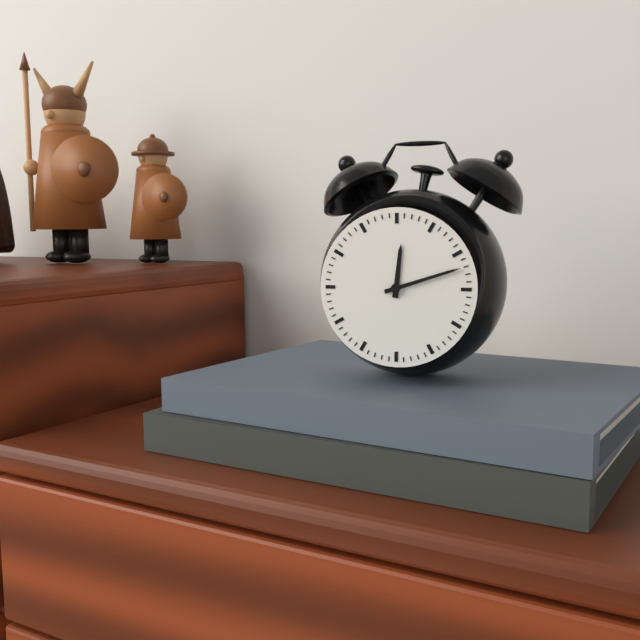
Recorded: {"hour": 12, "minute": 12}
